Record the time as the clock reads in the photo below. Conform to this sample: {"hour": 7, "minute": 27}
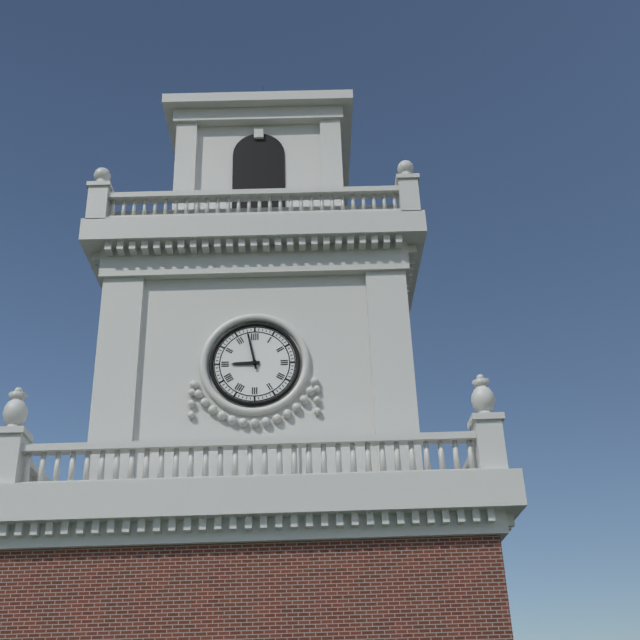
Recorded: {"hour": 8, "minute": 58}
